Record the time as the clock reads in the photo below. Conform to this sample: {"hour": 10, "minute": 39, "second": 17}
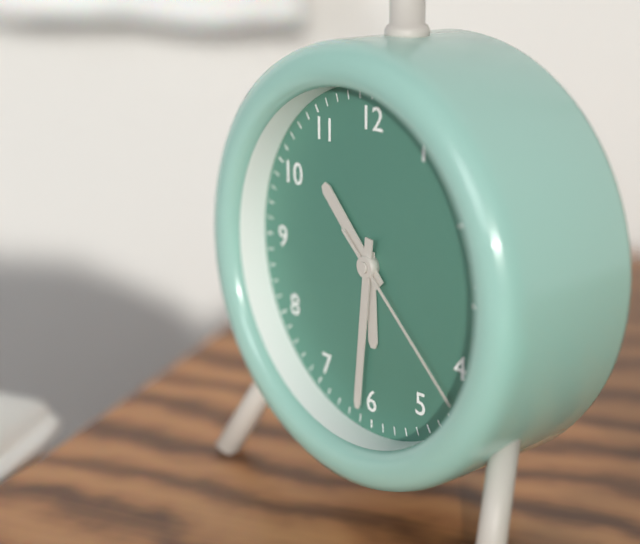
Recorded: {"hour": 10, "minute": 31, "second": 22}
